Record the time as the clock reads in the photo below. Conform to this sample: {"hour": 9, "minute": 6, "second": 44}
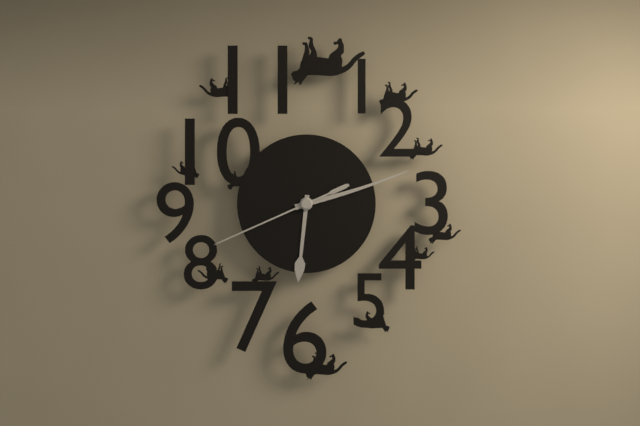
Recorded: {"hour": 6, "minute": 12, "second": 41}
